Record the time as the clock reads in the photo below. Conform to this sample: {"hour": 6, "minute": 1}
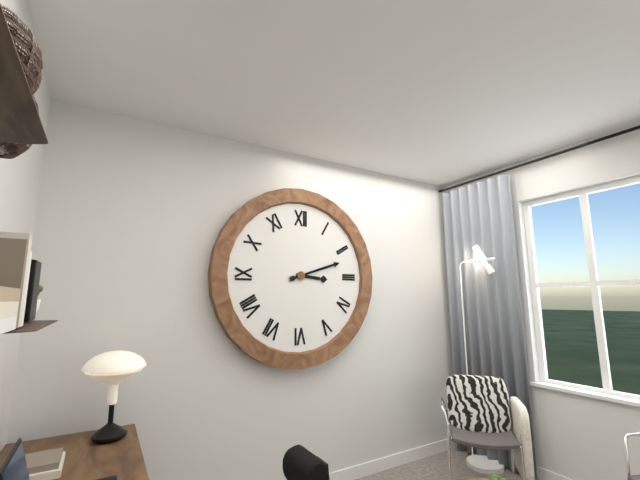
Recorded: {"hour": 3, "minute": 12}
